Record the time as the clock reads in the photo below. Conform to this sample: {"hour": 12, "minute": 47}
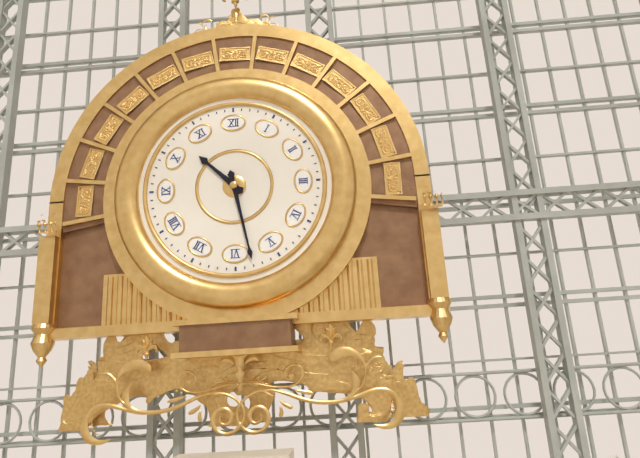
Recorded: {"hour": 10, "minute": 28}
